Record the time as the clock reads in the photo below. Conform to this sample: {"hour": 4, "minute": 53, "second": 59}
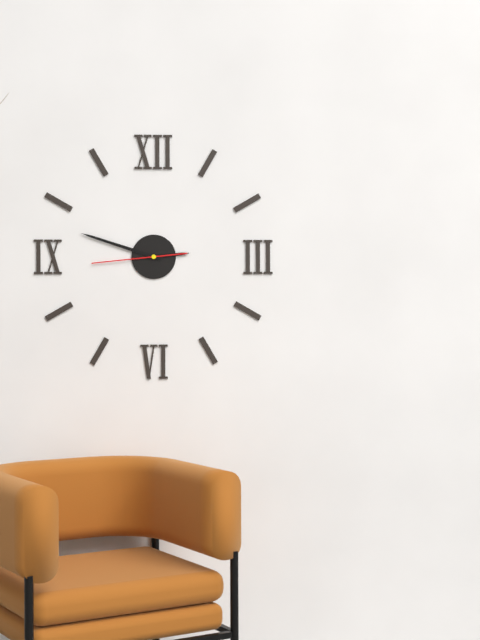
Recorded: {"hour": 2, "minute": 48, "second": 44}
